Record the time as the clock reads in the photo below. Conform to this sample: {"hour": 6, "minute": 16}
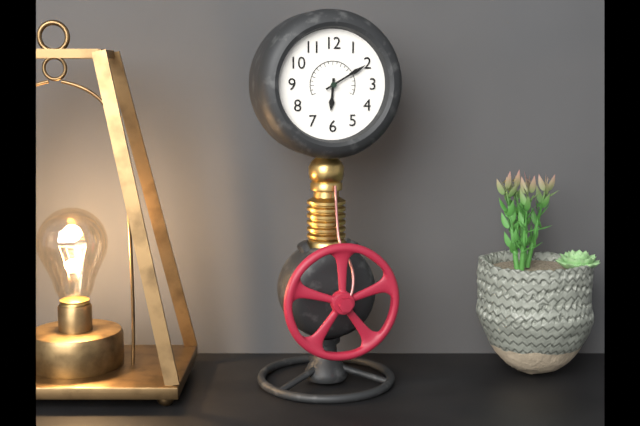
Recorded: {"hour": 6, "minute": 10}
